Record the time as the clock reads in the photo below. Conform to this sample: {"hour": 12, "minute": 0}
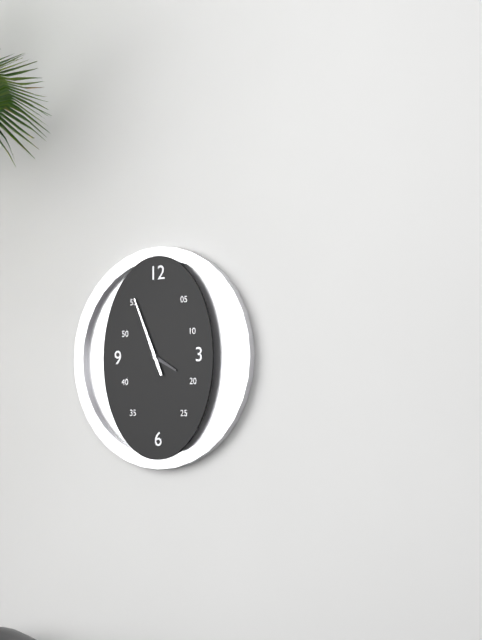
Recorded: {"hour": 3, "minute": 56}
